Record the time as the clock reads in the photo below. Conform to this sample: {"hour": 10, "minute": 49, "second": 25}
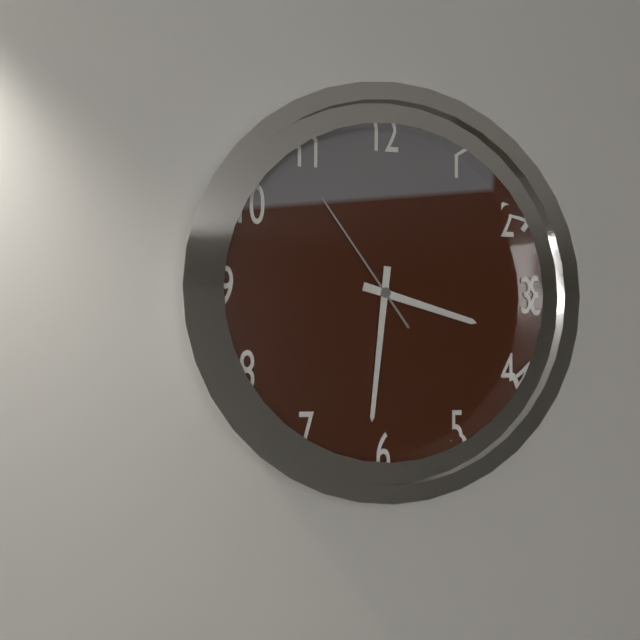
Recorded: {"hour": 3, "minute": 31, "second": 54}
